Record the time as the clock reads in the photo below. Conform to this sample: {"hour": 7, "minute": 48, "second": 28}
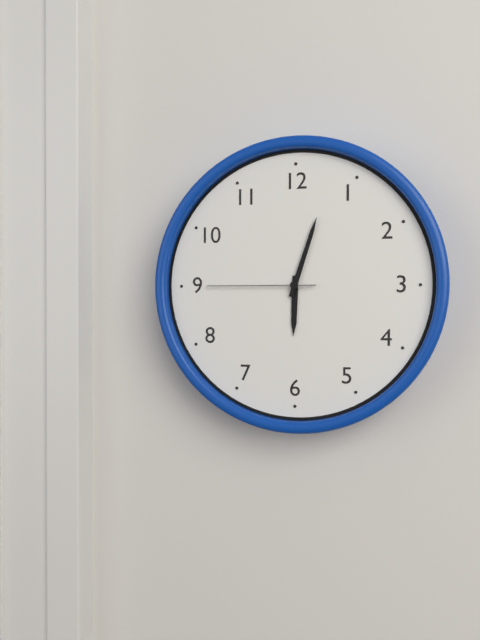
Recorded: {"hour": 6, "minute": 3, "second": 45}
